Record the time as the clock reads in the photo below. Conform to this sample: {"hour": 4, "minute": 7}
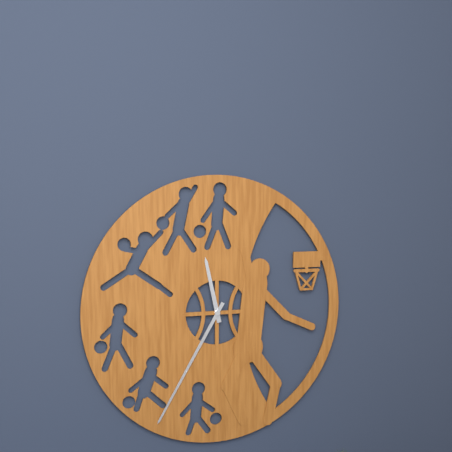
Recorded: {"hour": 11, "minute": 35}
